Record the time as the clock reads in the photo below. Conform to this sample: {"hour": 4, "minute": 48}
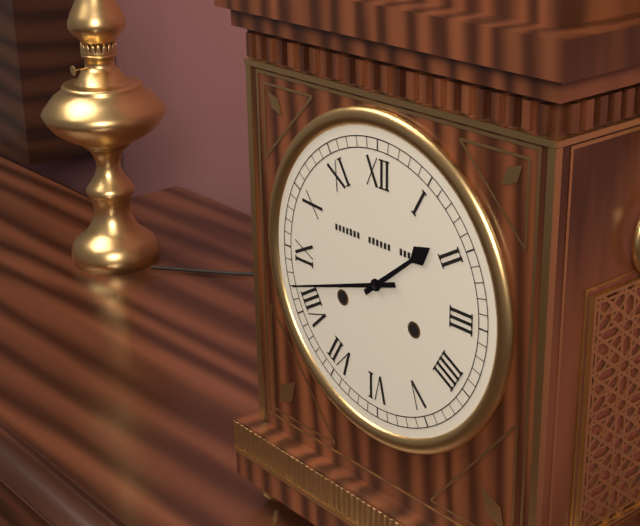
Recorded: {"hour": 1, "minute": 42}
